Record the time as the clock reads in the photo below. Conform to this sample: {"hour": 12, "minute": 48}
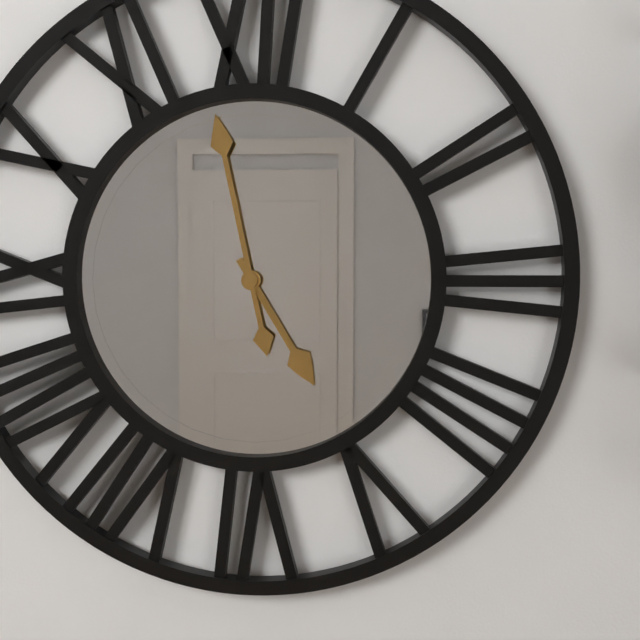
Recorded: {"hour": 4, "minute": 58}
